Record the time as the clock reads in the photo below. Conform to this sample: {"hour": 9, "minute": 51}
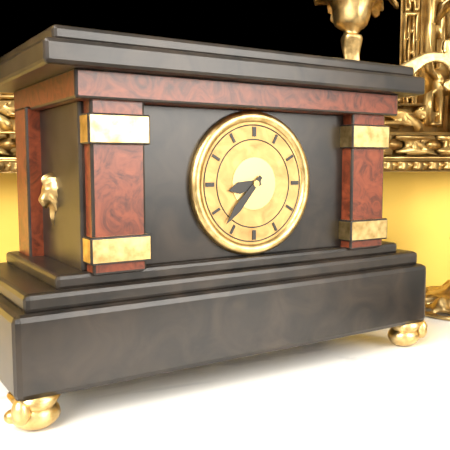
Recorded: {"hour": 8, "minute": 37}
